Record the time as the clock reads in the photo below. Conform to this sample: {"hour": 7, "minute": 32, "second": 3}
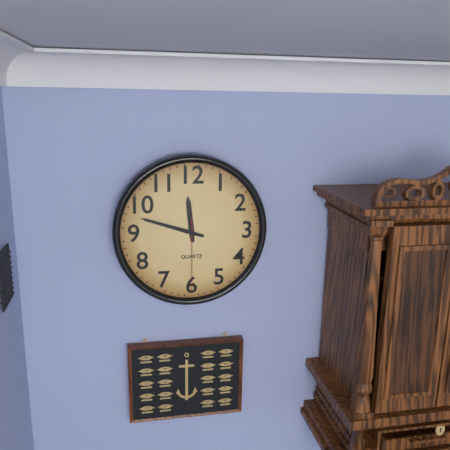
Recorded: {"hour": 11, "minute": 48, "second": 30}
